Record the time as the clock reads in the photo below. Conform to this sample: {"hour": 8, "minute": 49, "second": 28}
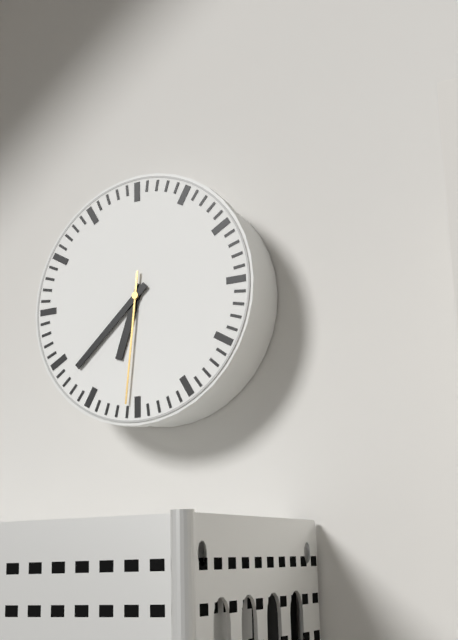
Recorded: {"hour": 6, "minute": 38, "second": 31}
